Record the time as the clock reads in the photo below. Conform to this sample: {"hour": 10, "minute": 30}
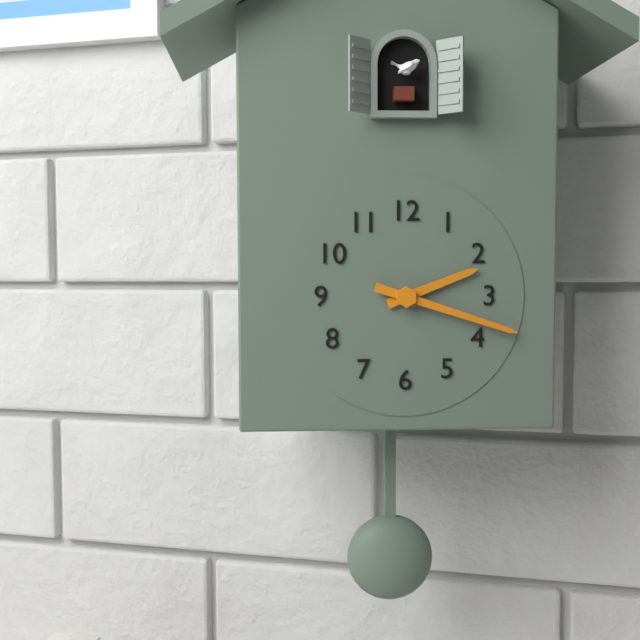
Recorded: {"hour": 2, "minute": 18}
